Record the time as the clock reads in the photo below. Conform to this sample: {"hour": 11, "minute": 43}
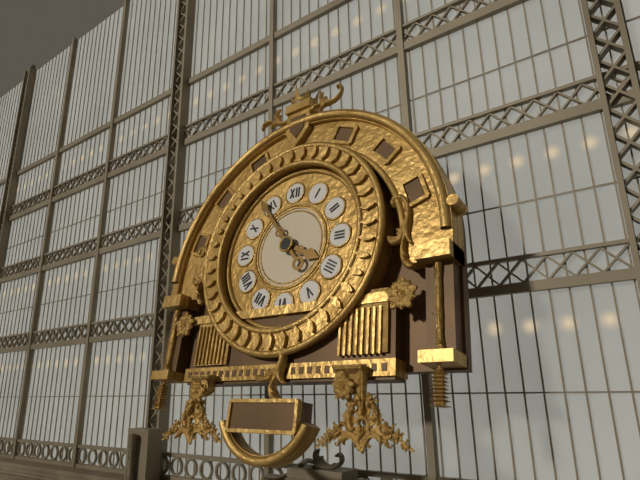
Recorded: {"hour": 3, "minute": 54}
